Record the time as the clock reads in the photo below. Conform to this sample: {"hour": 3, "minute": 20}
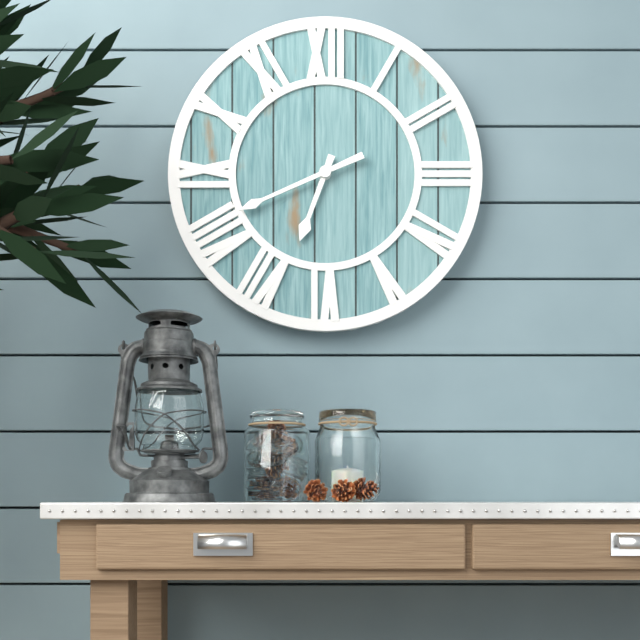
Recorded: {"hour": 6, "minute": 41}
